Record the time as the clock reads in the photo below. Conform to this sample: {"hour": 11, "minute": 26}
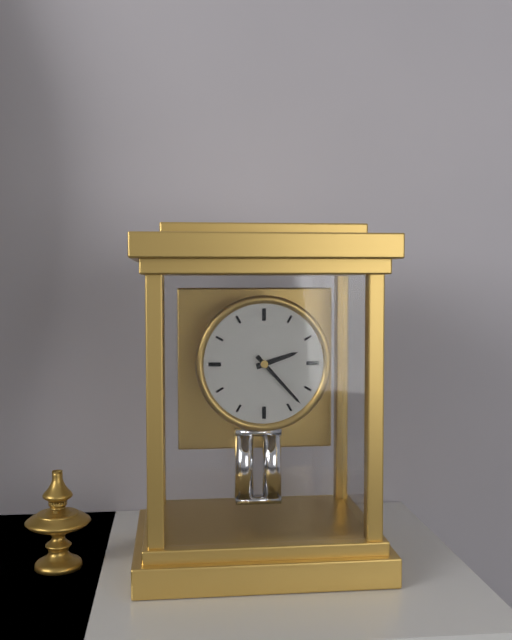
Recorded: {"hour": 2, "minute": 23}
